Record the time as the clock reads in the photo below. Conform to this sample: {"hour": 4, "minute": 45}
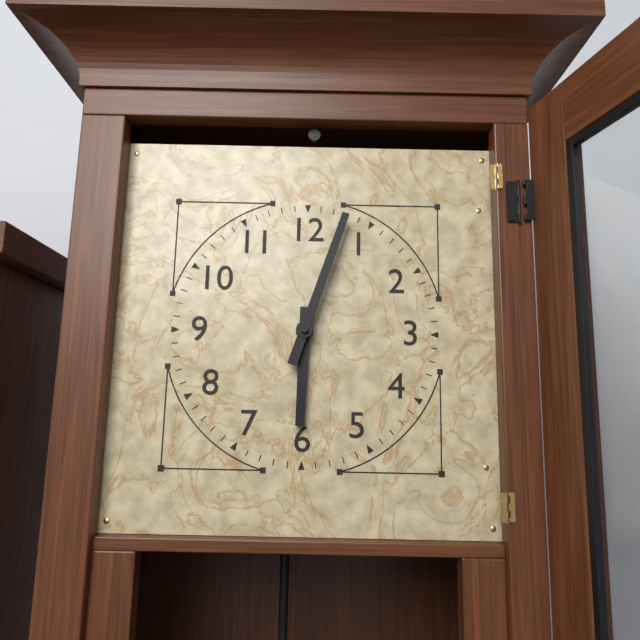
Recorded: {"hour": 6, "minute": 3}
